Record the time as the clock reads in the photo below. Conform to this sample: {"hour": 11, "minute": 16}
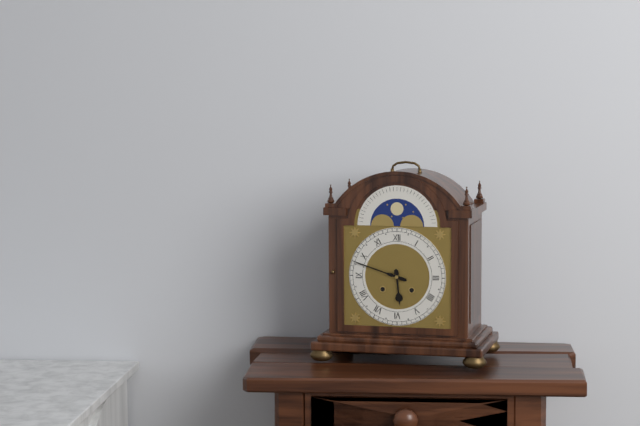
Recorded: {"hour": 5, "minute": 48}
